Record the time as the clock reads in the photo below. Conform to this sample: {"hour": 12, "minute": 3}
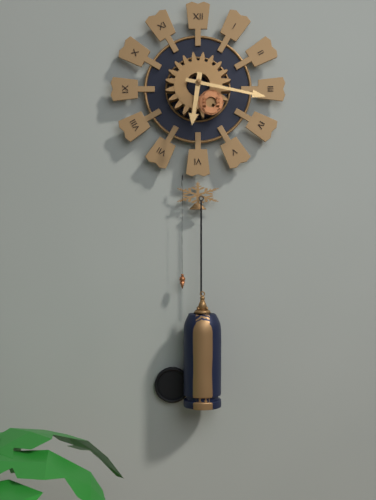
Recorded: {"hour": 6, "minute": 17}
